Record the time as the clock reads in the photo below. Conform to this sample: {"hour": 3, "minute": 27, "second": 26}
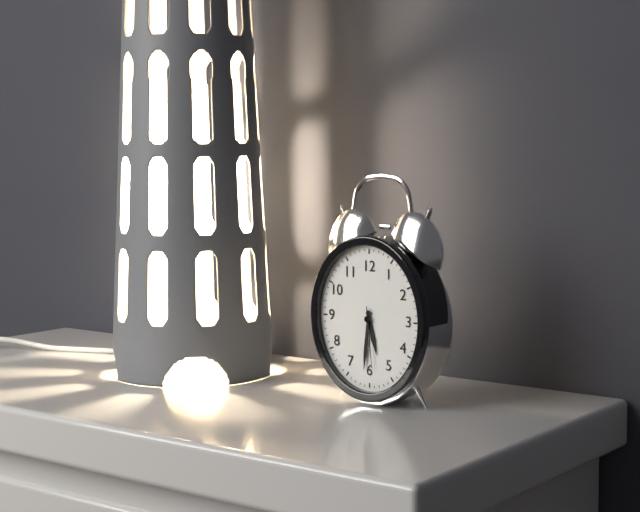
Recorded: {"hour": 5, "minute": 31, "second": 29}
